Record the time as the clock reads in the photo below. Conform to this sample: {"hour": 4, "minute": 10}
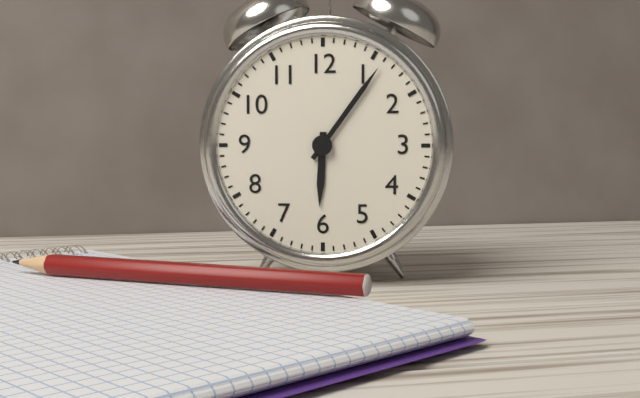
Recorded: {"hour": 6, "minute": 6}
